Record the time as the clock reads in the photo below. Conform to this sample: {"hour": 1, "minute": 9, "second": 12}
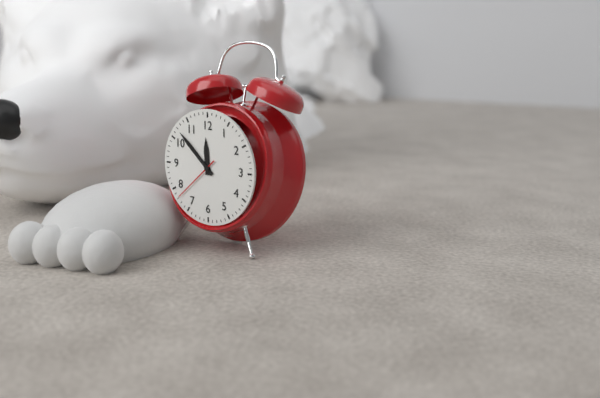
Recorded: {"hour": 11, "minute": 52, "second": 38}
